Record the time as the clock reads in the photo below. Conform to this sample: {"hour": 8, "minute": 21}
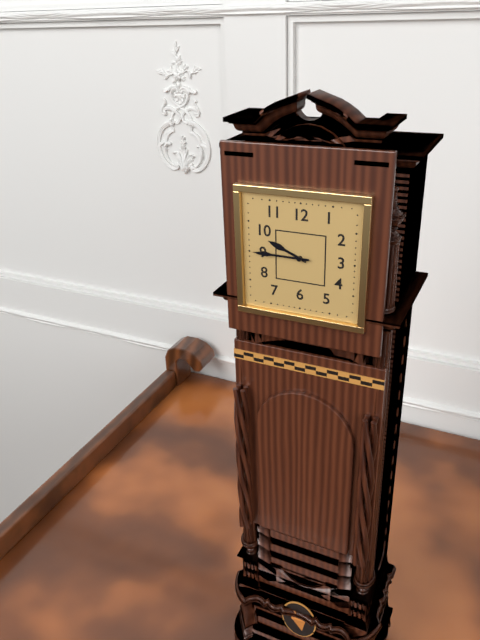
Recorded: {"hour": 9, "minute": 45}
